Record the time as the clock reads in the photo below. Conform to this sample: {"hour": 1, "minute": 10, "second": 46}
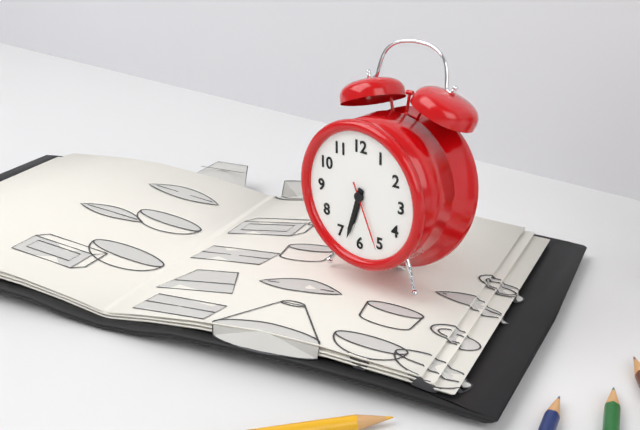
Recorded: {"hour": 6, "minute": 33, "second": 26}
